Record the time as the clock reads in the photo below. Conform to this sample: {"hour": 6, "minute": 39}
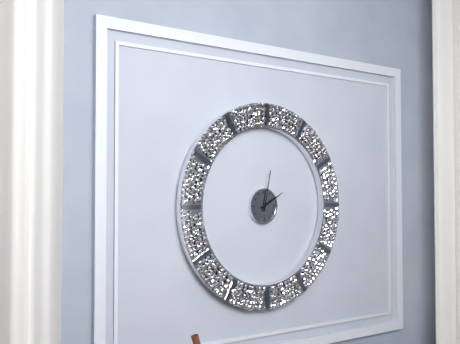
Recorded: {"hour": 2, "minute": 2}
